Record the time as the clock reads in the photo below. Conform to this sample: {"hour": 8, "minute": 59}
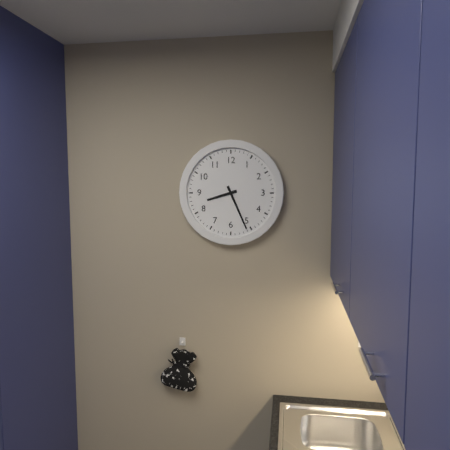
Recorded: {"hour": 8, "minute": 26}
